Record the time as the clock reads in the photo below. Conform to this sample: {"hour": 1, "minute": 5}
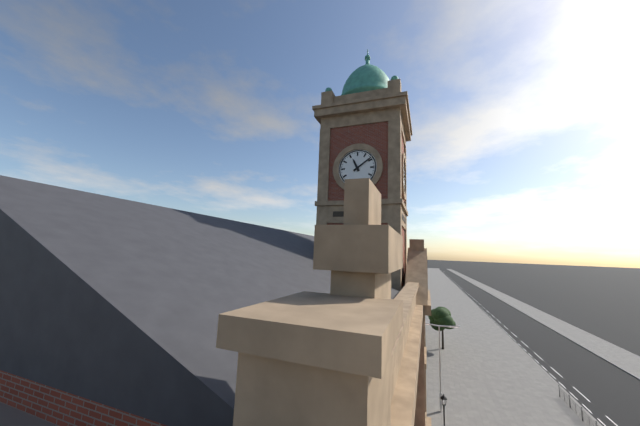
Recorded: {"hour": 11, "minute": 9}
